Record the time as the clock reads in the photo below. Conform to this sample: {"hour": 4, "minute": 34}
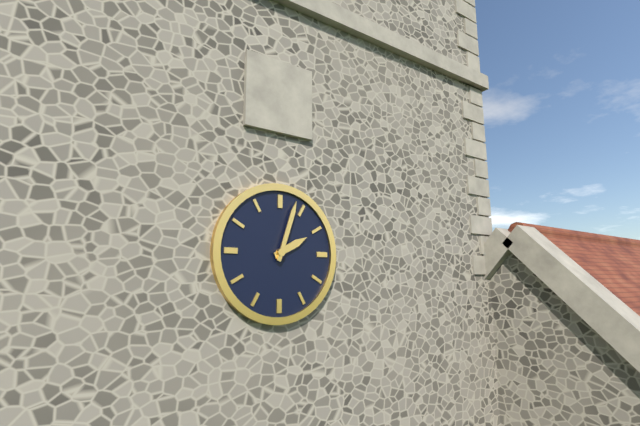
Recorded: {"hour": 2, "minute": 3}
